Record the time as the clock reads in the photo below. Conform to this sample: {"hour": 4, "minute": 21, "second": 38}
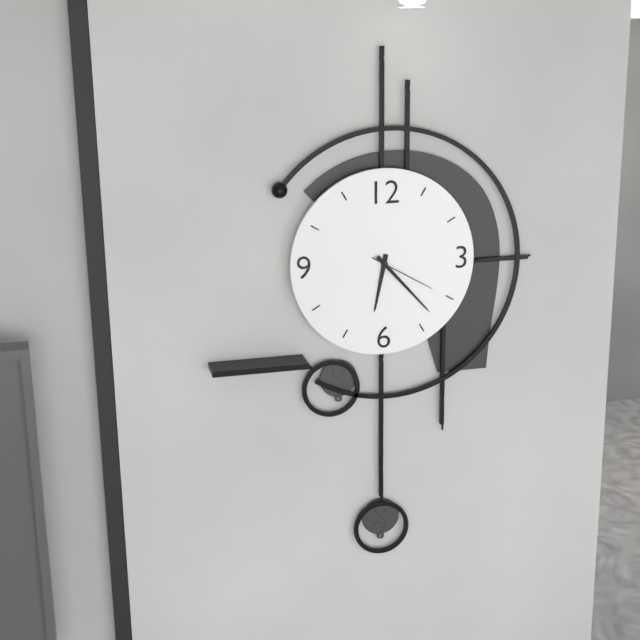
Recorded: {"hour": 6, "minute": 23, "second": 20}
